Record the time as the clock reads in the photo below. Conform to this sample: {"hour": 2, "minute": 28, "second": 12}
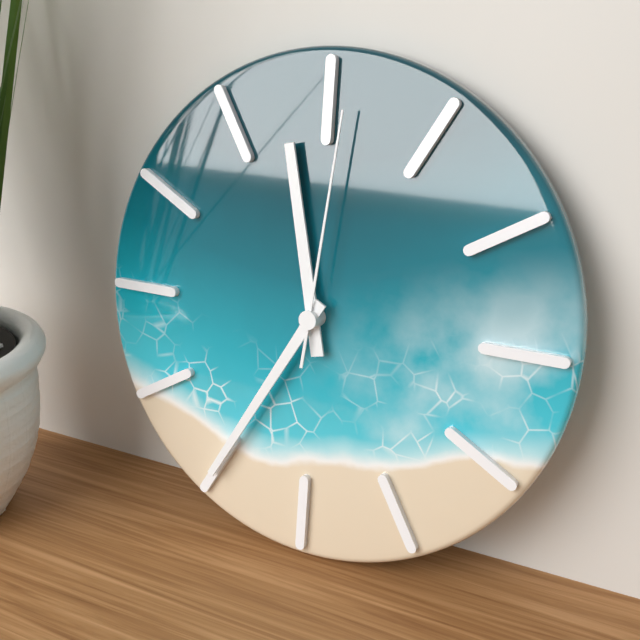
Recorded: {"hour": 11, "minute": 35, "second": 1}
